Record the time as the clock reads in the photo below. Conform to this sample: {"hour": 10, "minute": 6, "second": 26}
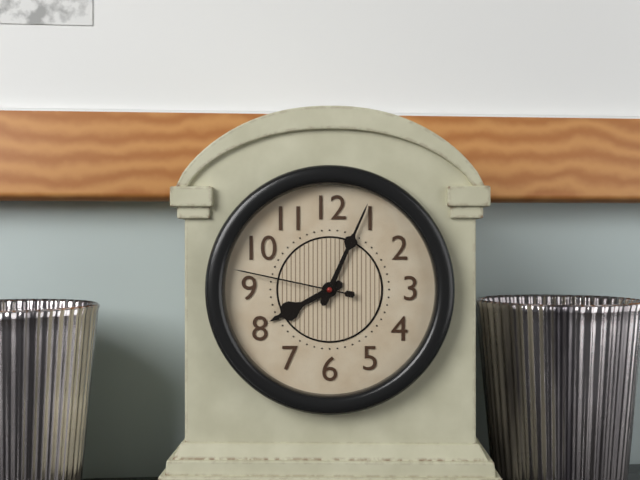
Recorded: {"hour": 8, "minute": 4, "second": 47}
